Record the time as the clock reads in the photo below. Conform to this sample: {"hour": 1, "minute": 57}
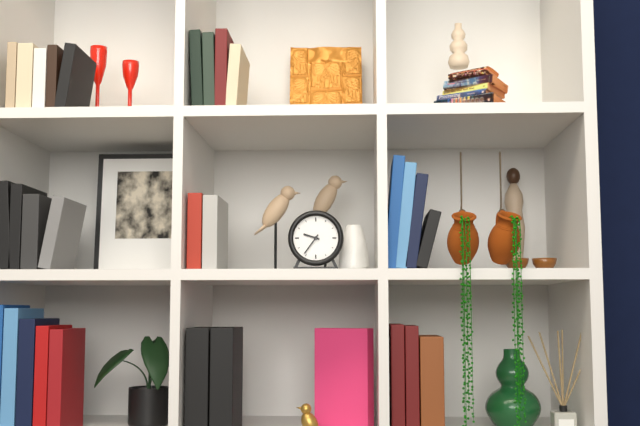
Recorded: {"hour": 9, "minute": 36}
